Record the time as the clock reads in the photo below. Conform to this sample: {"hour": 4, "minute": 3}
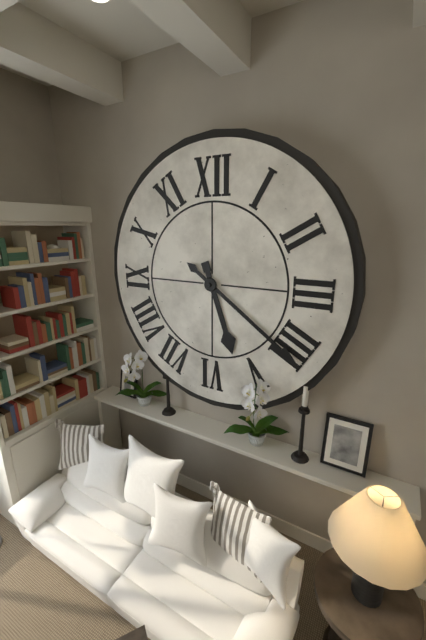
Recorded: {"hour": 5, "minute": 21}
